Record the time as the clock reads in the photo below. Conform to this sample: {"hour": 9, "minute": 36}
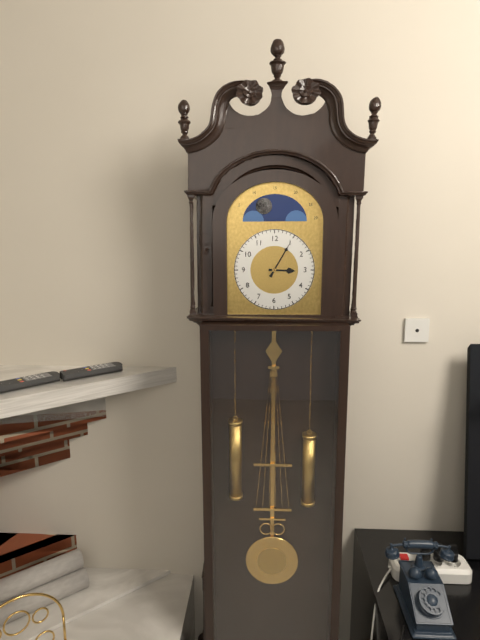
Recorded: {"hour": 3, "minute": 5}
